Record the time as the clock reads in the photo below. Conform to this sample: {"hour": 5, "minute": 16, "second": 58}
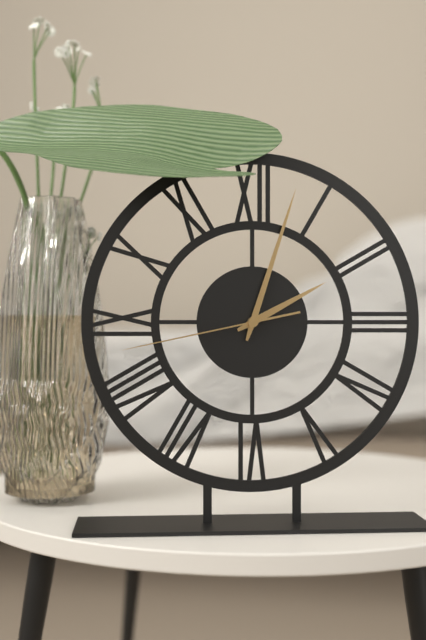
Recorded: {"hour": 2, "minute": 3, "second": 43}
